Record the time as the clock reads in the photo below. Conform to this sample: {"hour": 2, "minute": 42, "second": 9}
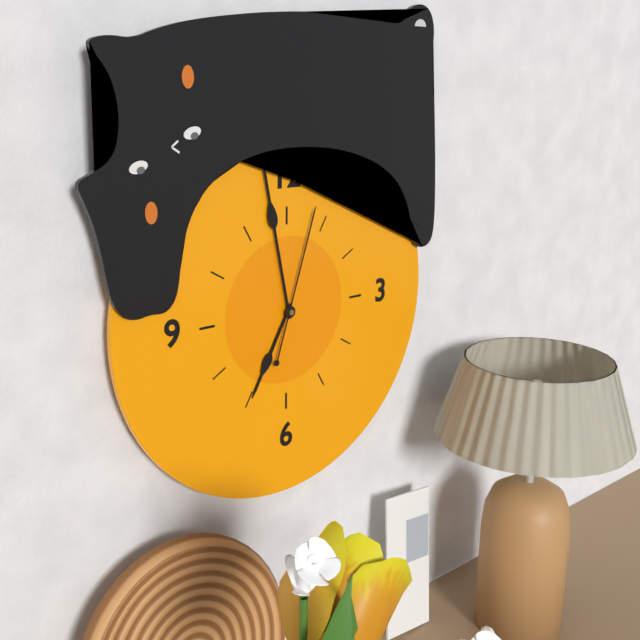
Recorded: {"hour": 6, "minute": 58, "second": 3}
